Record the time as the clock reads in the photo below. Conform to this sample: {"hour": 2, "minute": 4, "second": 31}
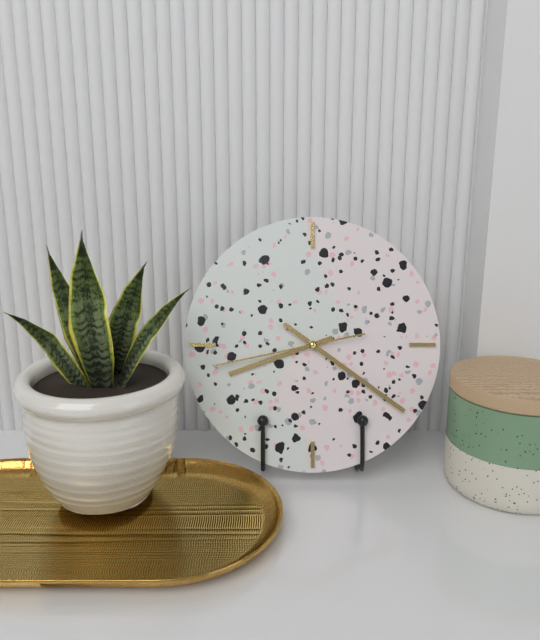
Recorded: {"hour": 8, "minute": 21, "second": 43}
